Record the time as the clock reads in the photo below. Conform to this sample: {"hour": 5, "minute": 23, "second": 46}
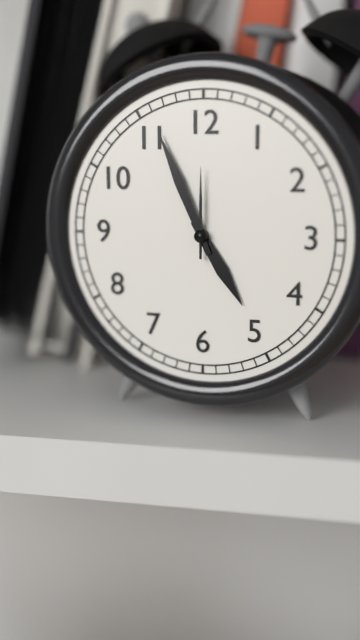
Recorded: {"hour": 4, "minute": 56, "second": 0}
